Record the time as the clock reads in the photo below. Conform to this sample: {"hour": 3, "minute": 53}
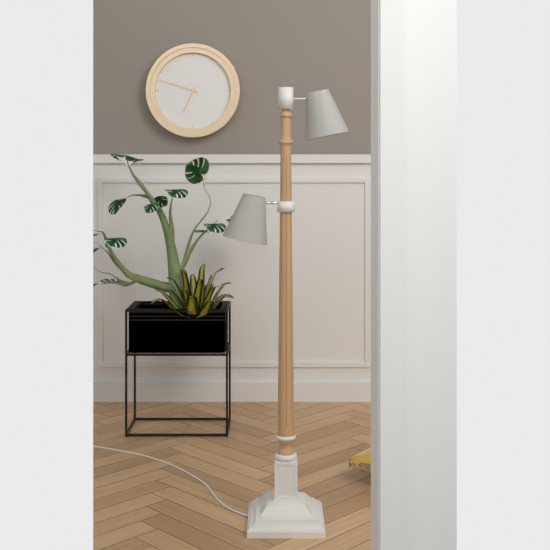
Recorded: {"hour": 6, "minute": 48}
